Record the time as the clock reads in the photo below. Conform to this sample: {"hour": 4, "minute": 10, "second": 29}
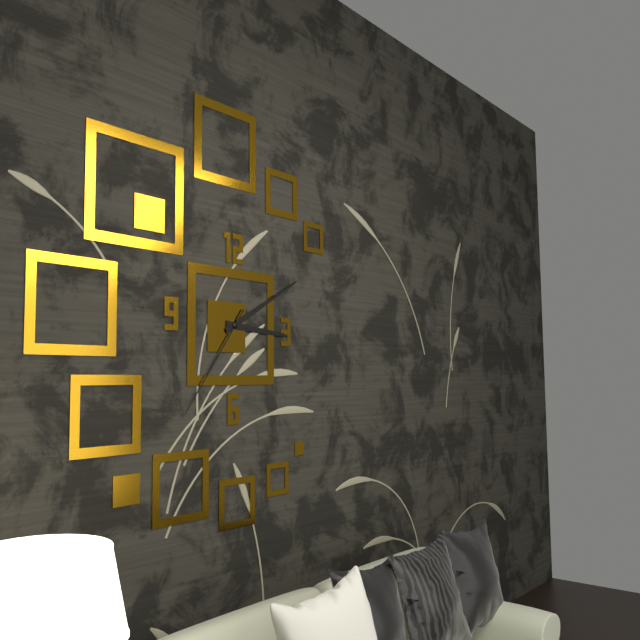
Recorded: {"hour": 3, "minute": 10, "second": 36}
